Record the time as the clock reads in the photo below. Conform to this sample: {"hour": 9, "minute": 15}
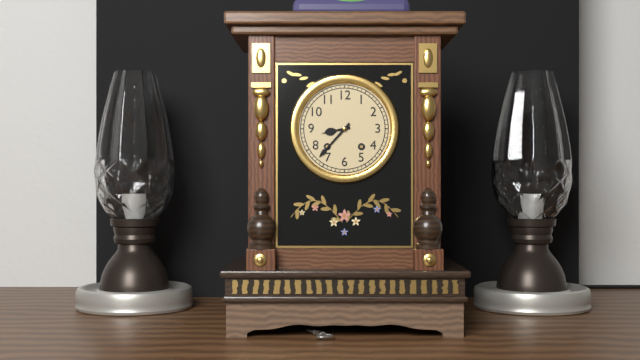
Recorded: {"hour": 8, "minute": 37}
